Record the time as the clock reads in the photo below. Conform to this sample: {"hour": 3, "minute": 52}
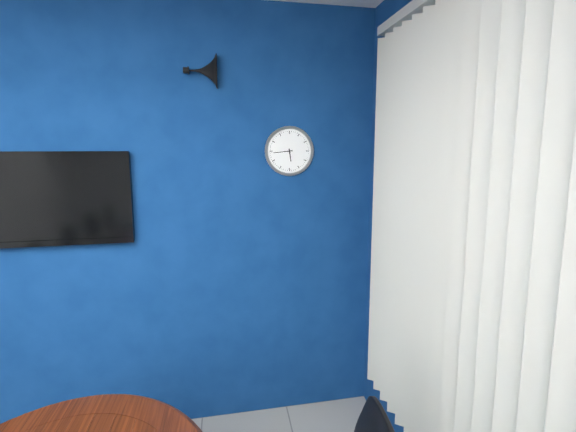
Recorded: {"hour": 5, "minute": 44}
